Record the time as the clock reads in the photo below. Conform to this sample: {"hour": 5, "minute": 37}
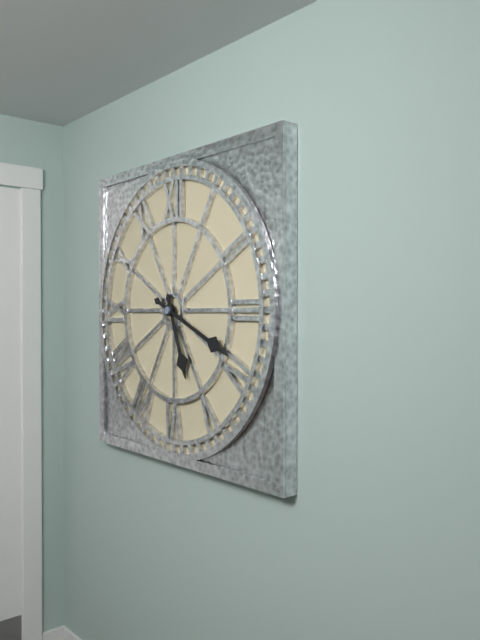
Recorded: {"hour": 5, "minute": 19}
